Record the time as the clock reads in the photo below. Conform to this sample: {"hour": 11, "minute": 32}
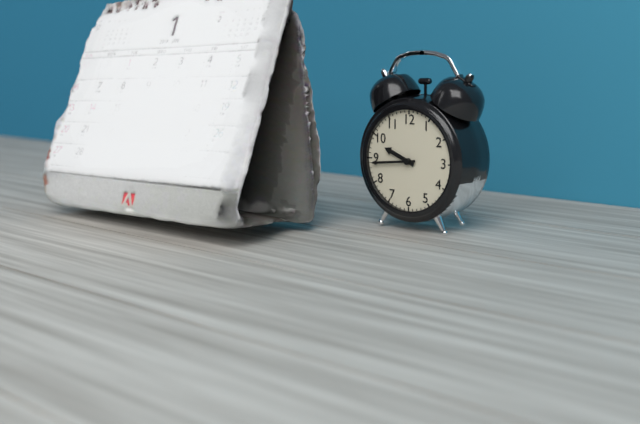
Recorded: {"hour": 9, "minute": 44}
